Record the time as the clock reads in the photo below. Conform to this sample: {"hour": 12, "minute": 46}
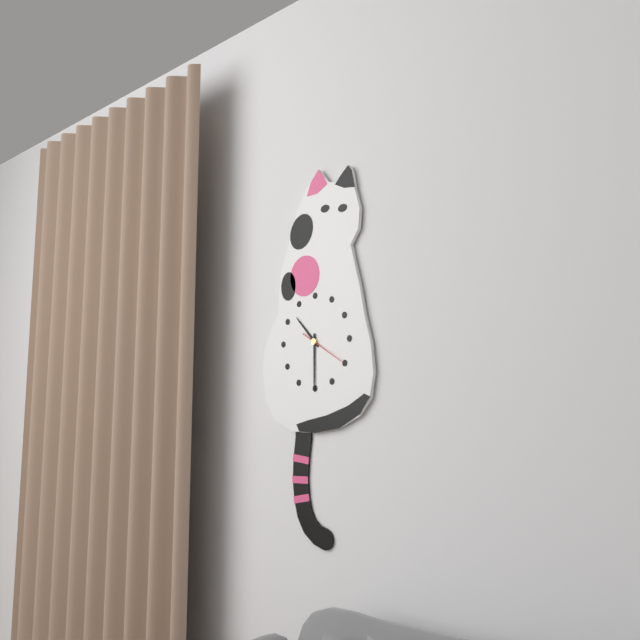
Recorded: {"hour": 10, "minute": 30}
